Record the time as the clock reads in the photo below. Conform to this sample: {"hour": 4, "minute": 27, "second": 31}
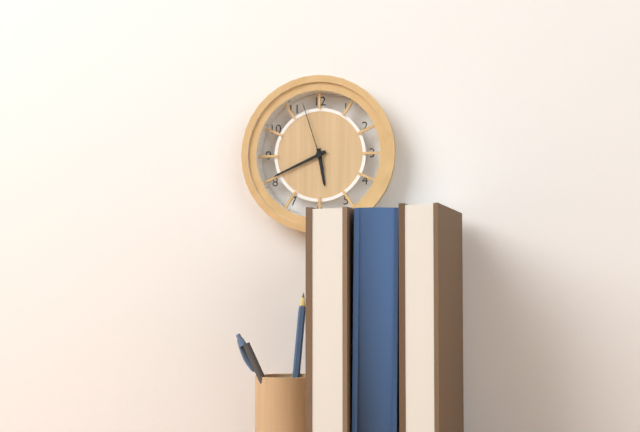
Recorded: {"hour": 5, "minute": 41, "second": 57}
